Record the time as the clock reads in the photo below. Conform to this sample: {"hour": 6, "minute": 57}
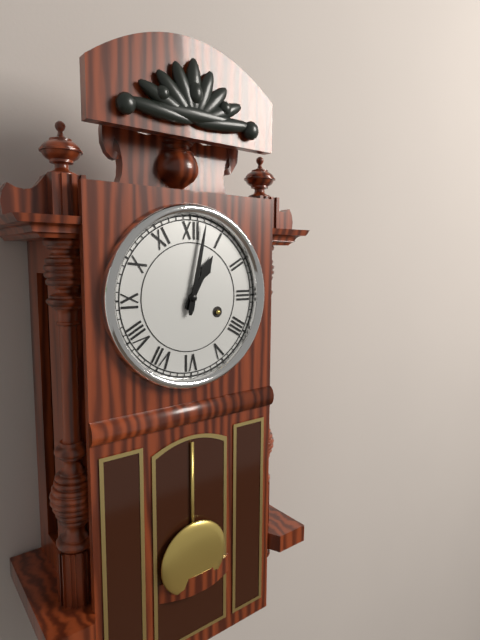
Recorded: {"hour": 1, "minute": 2}
